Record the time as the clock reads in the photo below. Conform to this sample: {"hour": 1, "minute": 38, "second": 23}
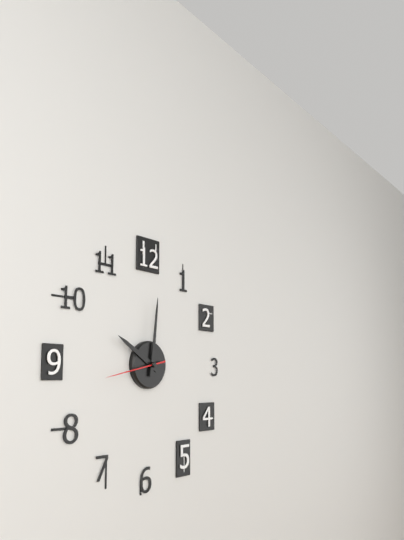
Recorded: {"hour": 10, "minute": 1, "second": 43}
